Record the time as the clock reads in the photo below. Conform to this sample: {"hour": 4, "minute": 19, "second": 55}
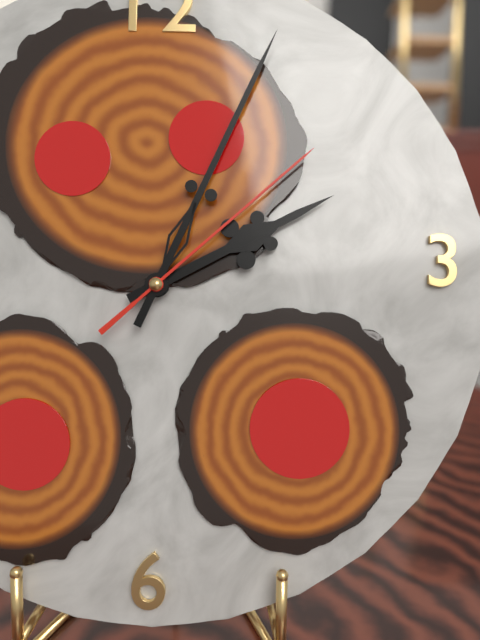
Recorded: {"hour": 2, "minute": 4, "second": 8}
